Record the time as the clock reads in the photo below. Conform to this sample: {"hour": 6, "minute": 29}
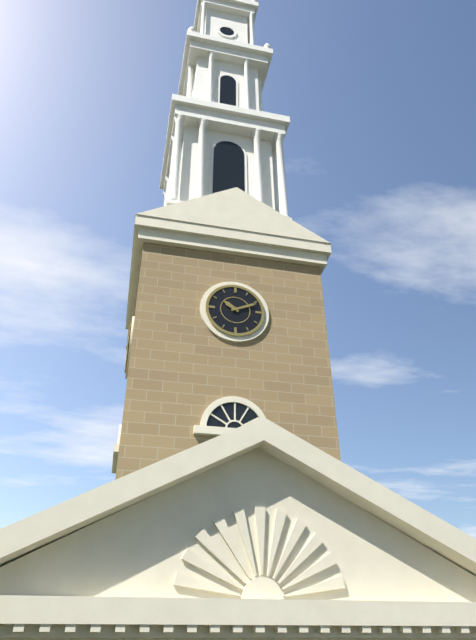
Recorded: {"hour": 10, "minute": 11}
